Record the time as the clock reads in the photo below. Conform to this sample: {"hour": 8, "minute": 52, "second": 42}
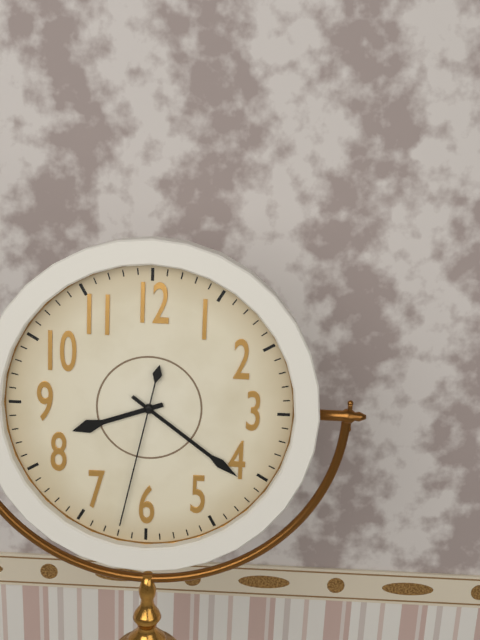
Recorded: {"hour": 8, "minute": 21, "second": 32}
